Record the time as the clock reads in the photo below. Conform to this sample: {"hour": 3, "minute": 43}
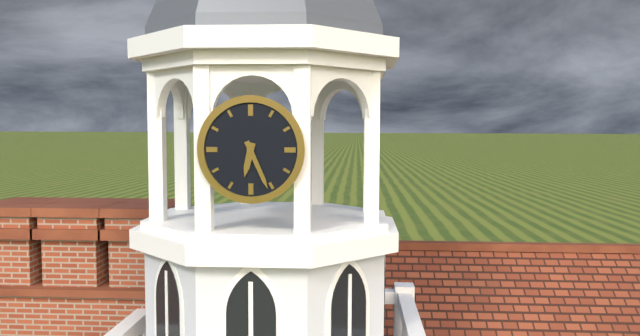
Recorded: {"hour": 6, "minute": 26}
